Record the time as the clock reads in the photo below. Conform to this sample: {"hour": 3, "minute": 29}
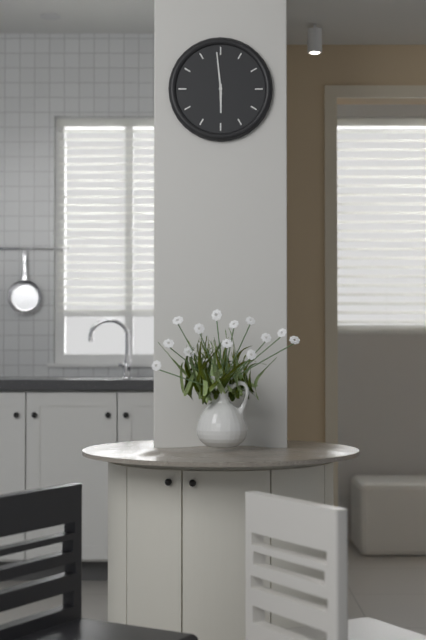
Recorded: {"hour": 5, "minute": 59}
